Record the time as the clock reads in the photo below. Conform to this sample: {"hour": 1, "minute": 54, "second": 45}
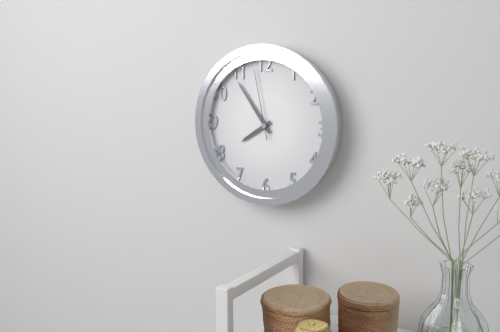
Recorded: {"hour": 7, "minute": 54, "second": 58}
